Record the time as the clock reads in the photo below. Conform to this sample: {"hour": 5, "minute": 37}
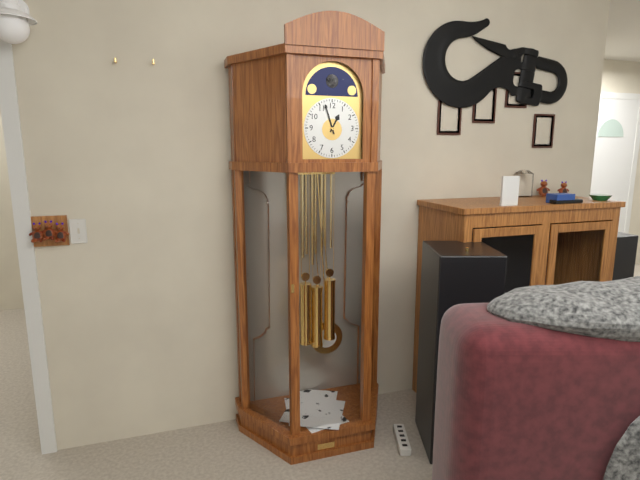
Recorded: {"hour": 12, "minute": 57}
